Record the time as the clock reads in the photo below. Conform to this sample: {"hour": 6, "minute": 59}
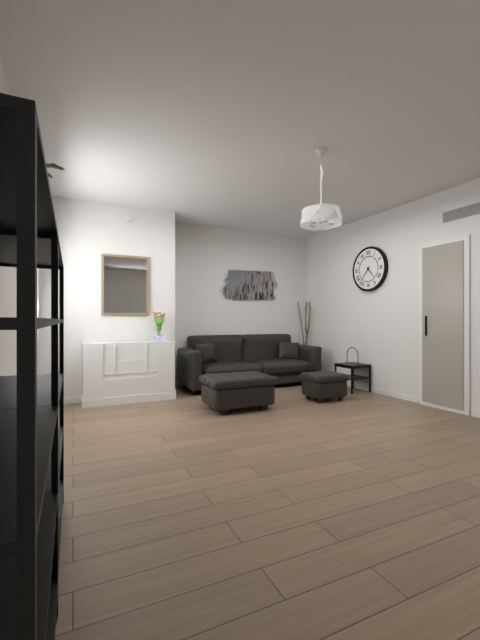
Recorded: {"hour": 4, "minute": 37}
